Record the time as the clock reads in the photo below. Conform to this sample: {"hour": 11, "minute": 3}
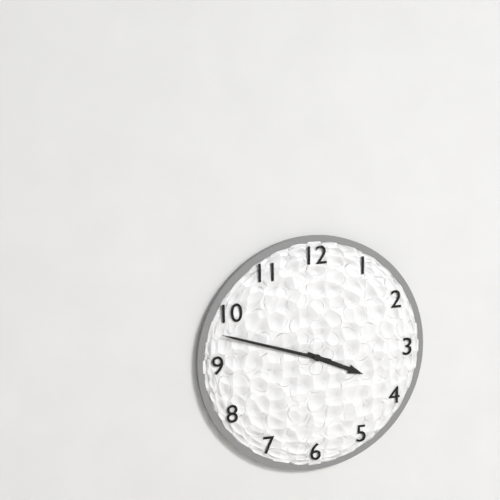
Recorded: {"hour": 3, "minute": 48}
